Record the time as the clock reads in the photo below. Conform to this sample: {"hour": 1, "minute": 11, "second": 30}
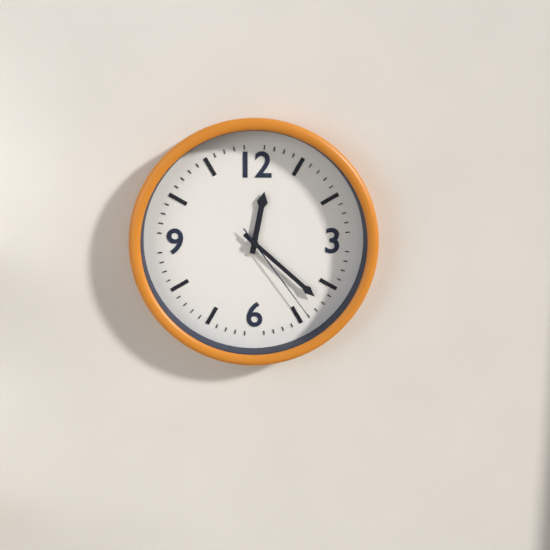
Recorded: {"hour": 12, "minute": 22, "second": 24}
